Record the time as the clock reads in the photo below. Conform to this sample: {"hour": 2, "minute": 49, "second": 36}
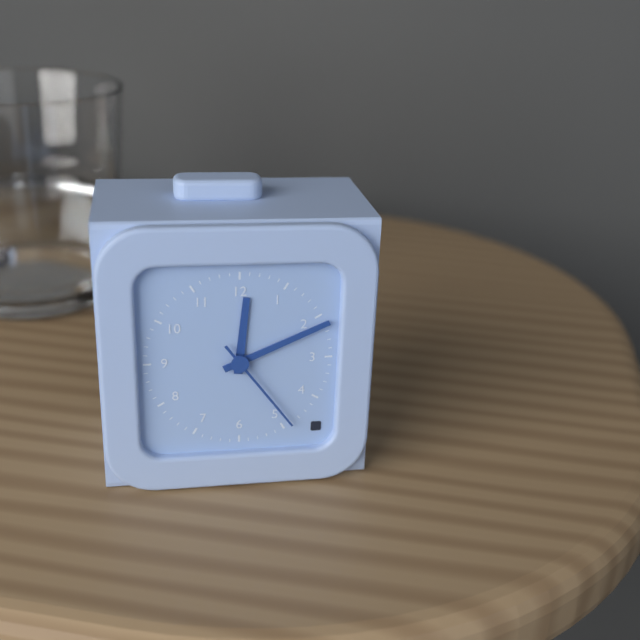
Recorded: {"hour": 12, "minute": 11, "second": 24}
